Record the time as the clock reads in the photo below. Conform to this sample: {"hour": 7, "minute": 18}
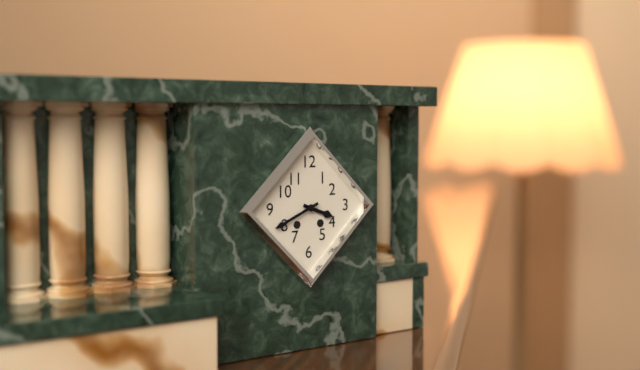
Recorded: {"hour": 3, "minute": 41}
